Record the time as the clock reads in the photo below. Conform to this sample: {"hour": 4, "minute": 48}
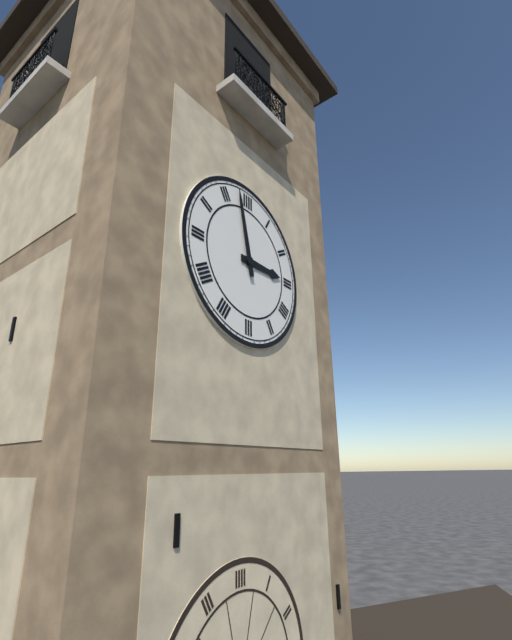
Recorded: {"hour": 2, "minute": 58}
